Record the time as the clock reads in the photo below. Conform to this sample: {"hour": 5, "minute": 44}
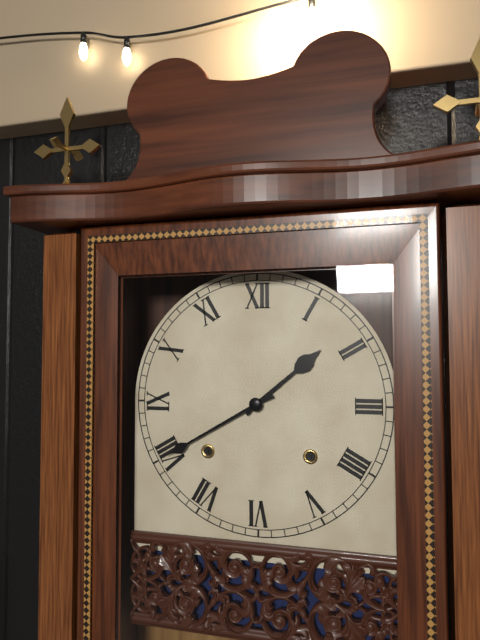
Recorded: {"hour": 1, "minute": 40}
